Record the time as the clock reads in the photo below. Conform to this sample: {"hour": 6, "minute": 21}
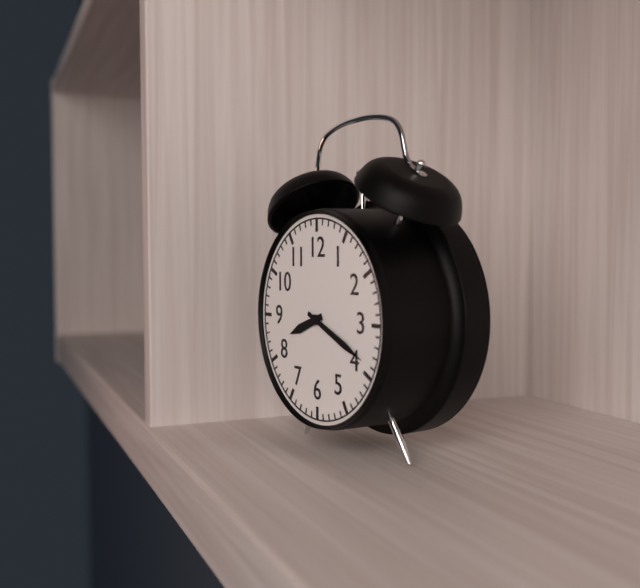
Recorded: {"hour": 8, "minute": 19}
